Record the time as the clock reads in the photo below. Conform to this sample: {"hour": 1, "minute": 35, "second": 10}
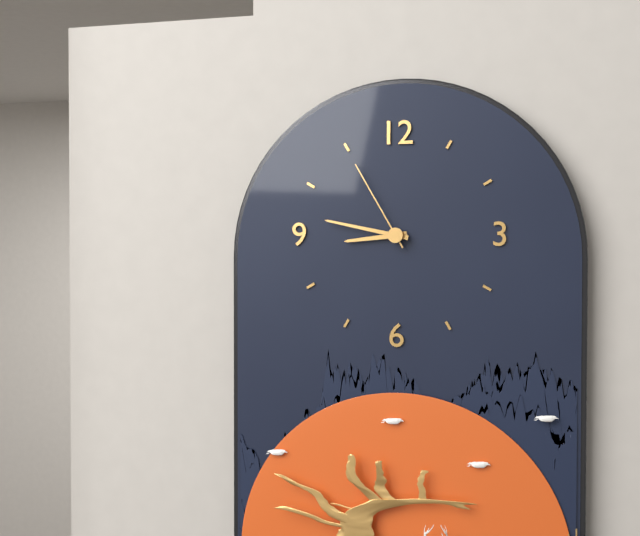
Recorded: {"hour": 8, "minute": 47, "second": 55}
